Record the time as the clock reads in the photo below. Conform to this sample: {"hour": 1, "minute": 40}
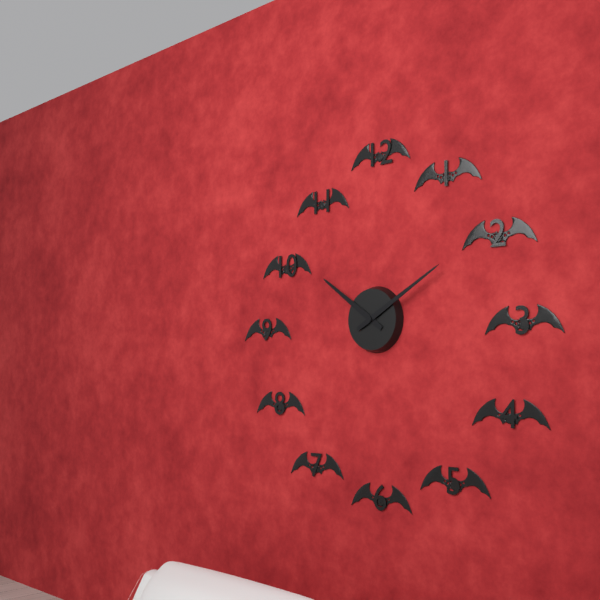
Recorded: {"hour": 10, "minute": 10}
